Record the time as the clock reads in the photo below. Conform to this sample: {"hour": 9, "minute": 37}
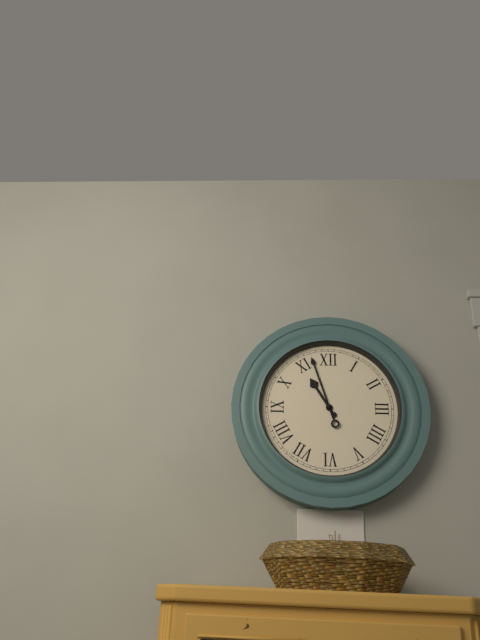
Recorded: {"hour": 10, "minute": 57}
